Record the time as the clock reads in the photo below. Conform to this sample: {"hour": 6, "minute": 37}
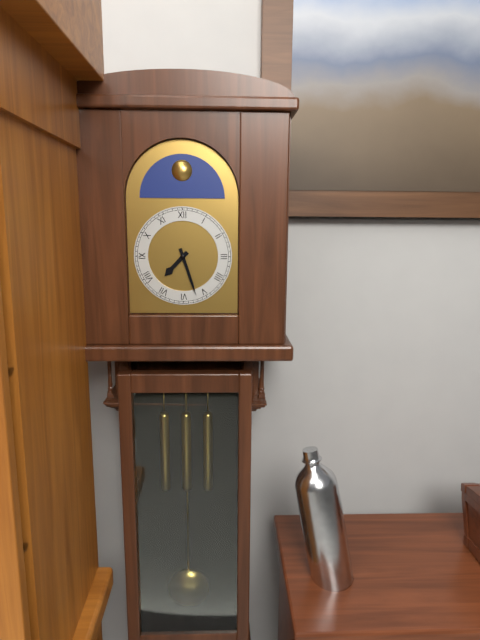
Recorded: {"hour": 7, "minute": 27}
